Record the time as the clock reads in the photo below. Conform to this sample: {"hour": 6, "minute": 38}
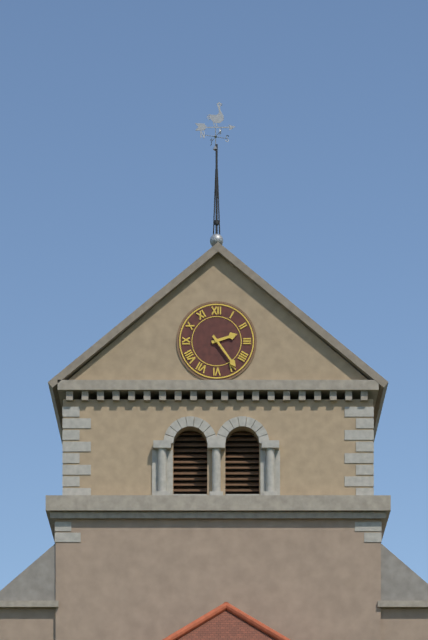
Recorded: {"hour": 2, "minute": 24}
